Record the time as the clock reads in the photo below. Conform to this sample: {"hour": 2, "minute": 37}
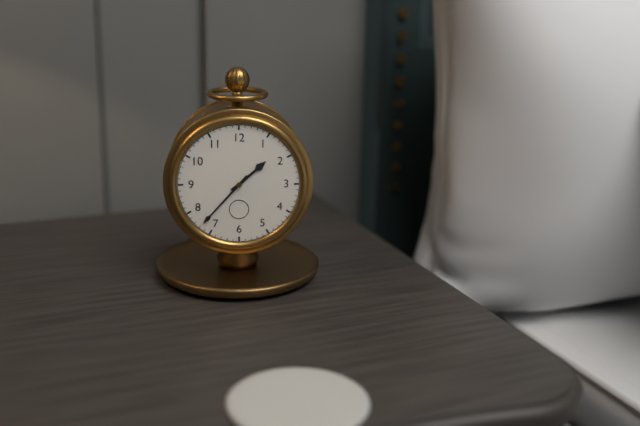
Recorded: {"hour": 1, "minute": 37}
